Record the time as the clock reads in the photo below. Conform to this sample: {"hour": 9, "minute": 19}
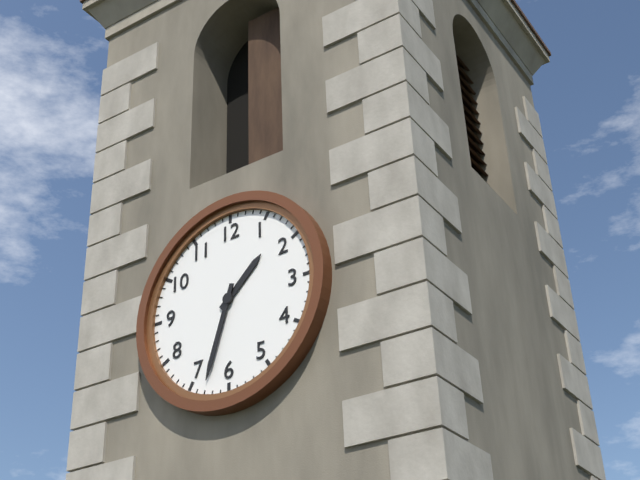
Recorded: {"hour": 1, "minute": 33}
